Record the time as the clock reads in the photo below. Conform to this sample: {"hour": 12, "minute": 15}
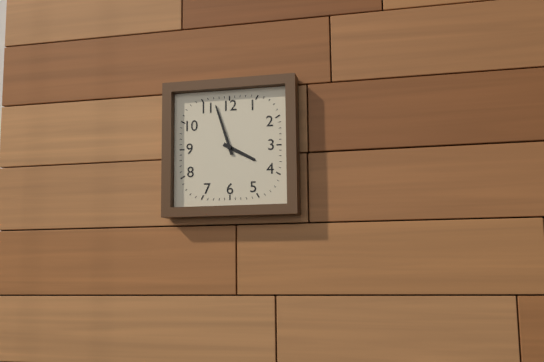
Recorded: {"hour": 3, "minute": 57}
